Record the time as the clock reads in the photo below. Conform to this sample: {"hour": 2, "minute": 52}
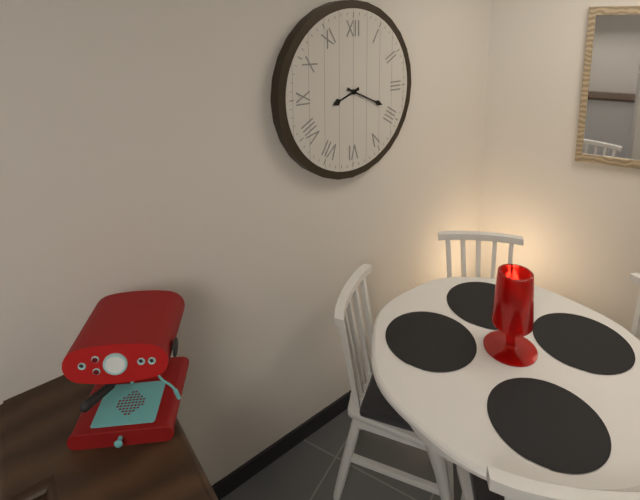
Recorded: {"hour": 8, "minute": 19}
